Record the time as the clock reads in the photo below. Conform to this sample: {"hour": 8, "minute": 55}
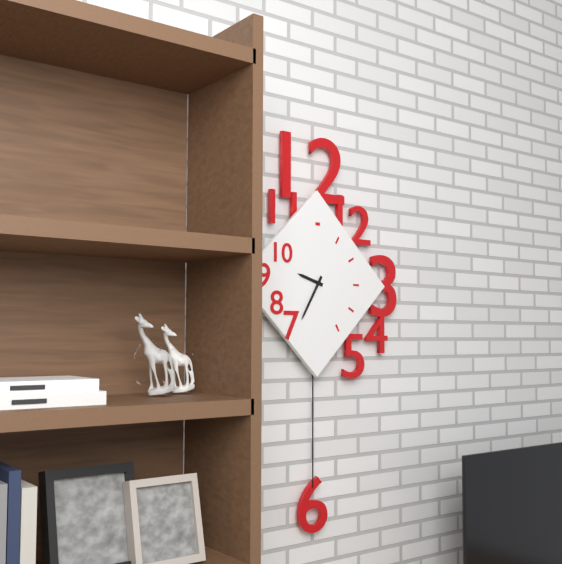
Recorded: {"hour": 9, "minute": 35}
